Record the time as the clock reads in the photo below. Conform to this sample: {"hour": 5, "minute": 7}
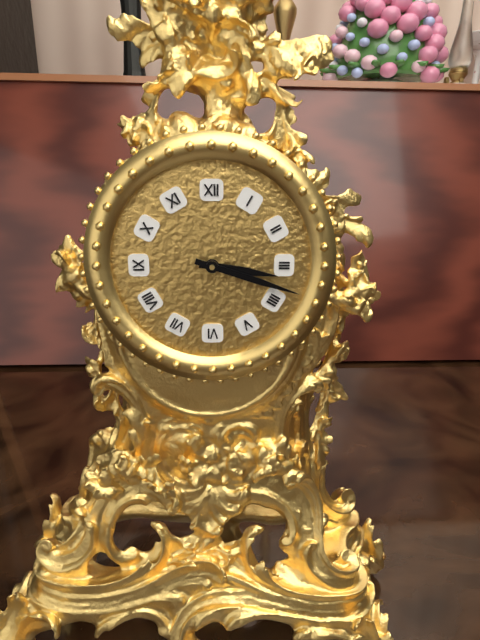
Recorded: {"hour": 3, "minute": 18}
